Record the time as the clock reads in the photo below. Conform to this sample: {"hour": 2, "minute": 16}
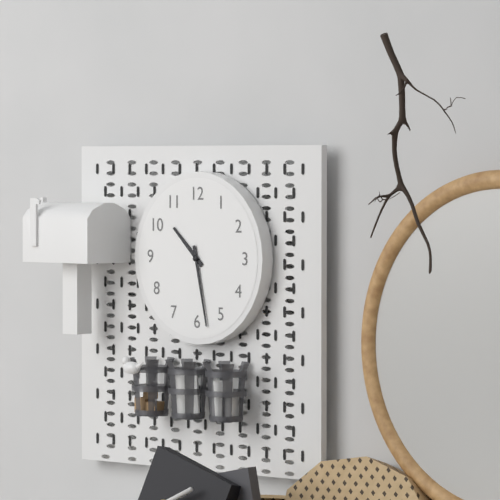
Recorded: {"hour": 10, "minute": 28}
